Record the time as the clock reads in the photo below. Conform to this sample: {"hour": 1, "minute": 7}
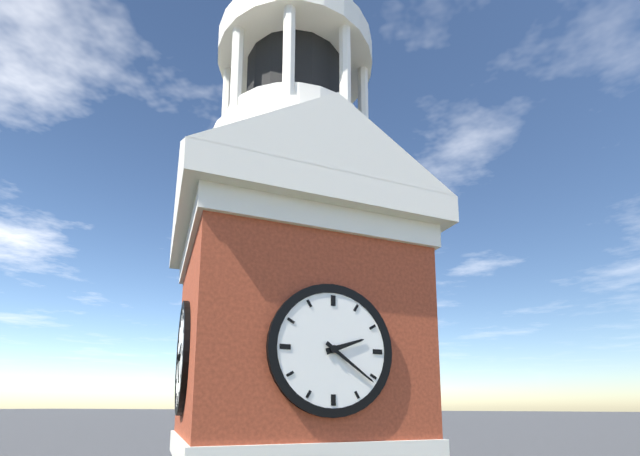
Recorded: {"hour": 2, "minute": 21}
